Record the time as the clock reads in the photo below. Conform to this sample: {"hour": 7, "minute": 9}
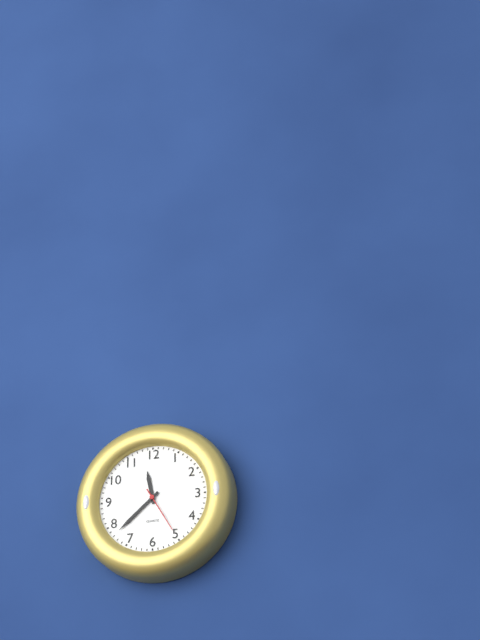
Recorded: {"hour": 11, "minute": 38}
